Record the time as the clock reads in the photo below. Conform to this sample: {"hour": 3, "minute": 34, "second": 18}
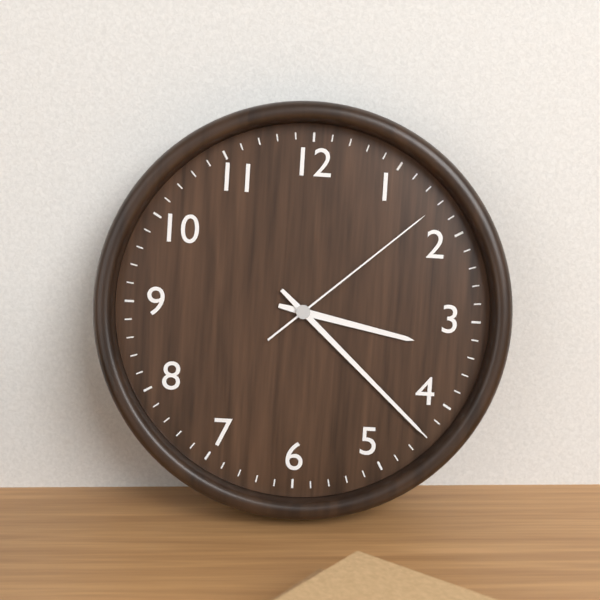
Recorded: {"hour": 3, "minute": 22, "second": 8}
